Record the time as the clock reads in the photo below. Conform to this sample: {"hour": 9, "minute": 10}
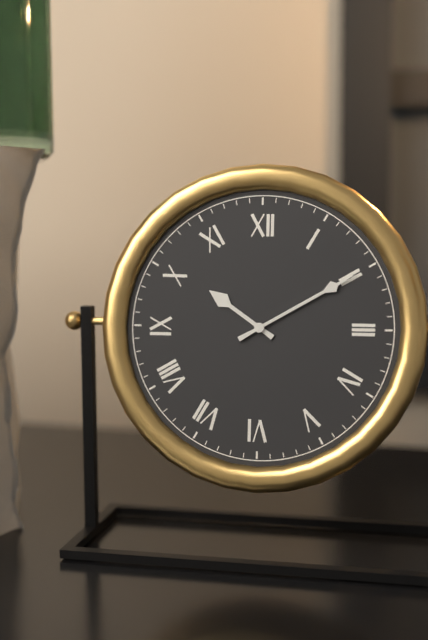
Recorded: {"hour": 10, "minute": 10}
